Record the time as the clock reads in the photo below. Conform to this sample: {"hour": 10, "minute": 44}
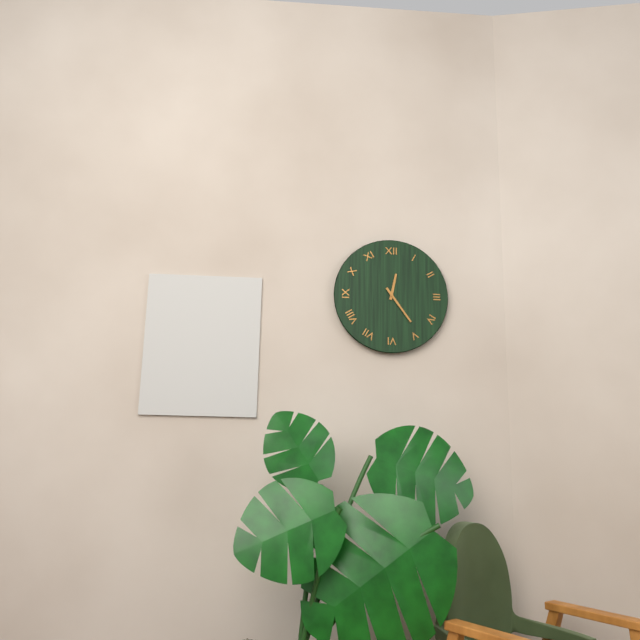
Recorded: {"hour": 12, "minute": 24}
